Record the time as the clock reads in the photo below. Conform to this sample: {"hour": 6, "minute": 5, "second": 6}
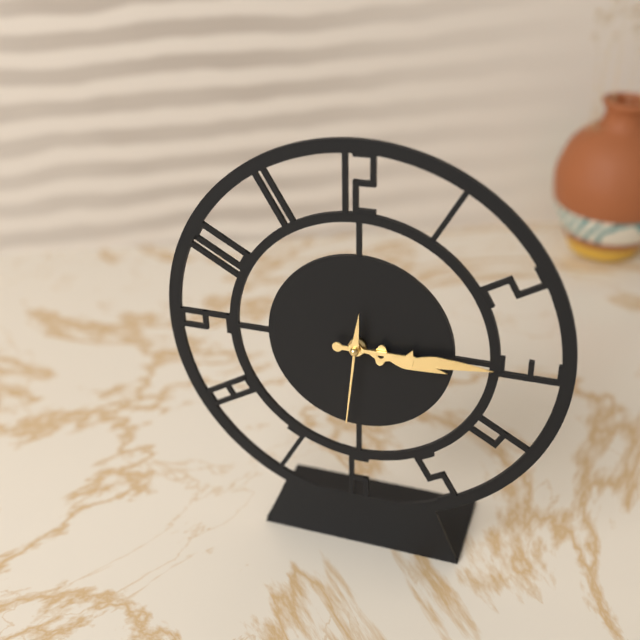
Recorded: {"hour": 3, "minute": 15, "second": 31}
